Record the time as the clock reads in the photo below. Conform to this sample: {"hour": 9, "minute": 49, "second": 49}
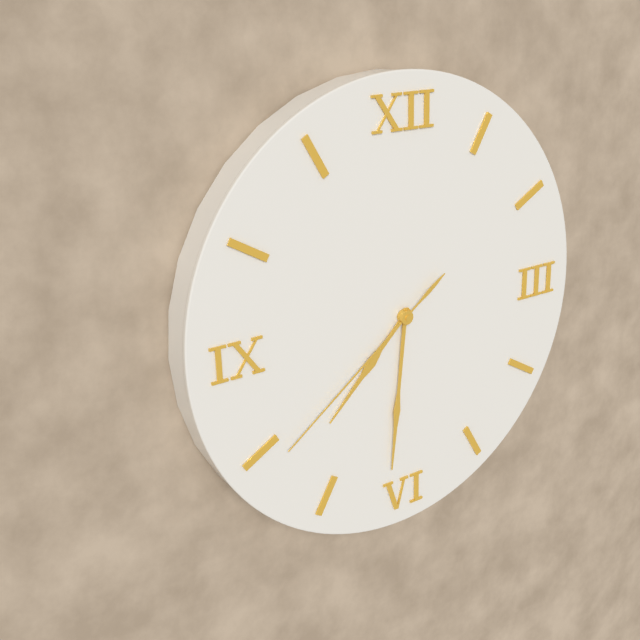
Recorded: {"hour": 7, "minute": 31, "second": 39}
